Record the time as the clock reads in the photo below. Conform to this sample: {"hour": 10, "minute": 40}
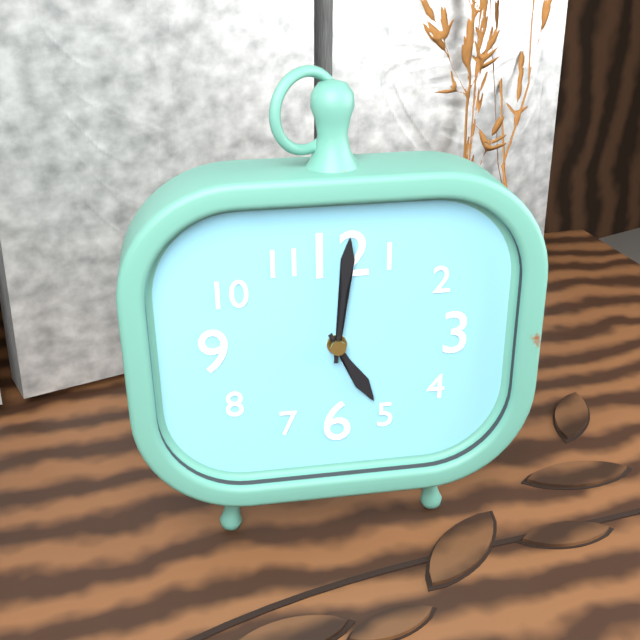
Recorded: {"hour": 5, "minute": 1}
